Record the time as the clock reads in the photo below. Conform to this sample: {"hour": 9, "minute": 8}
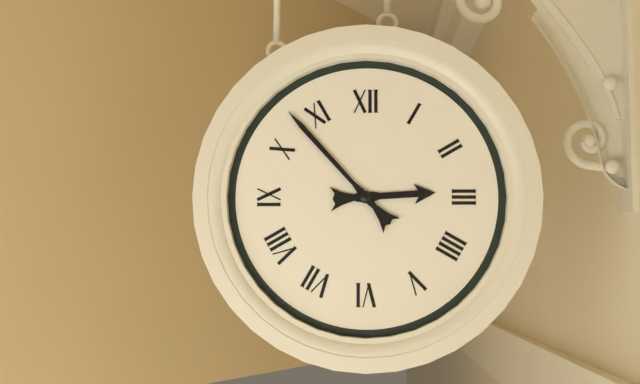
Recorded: {"hour": 2, "minute": 53}
